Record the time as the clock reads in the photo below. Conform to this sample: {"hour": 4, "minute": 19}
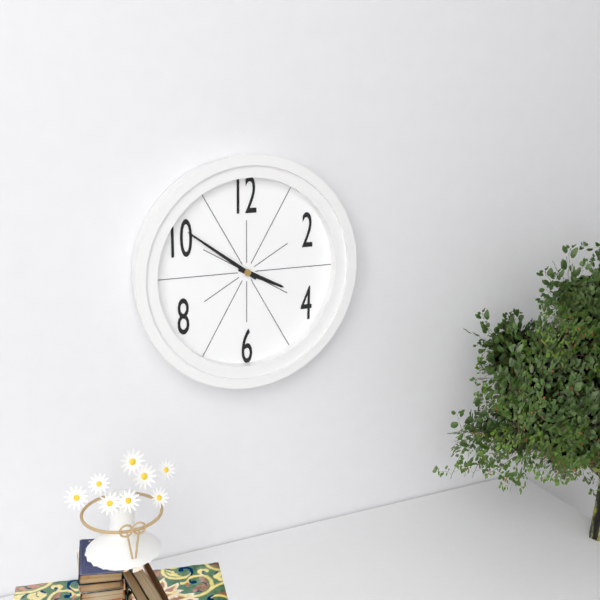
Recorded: {"hour": 3, "minute": 51}
